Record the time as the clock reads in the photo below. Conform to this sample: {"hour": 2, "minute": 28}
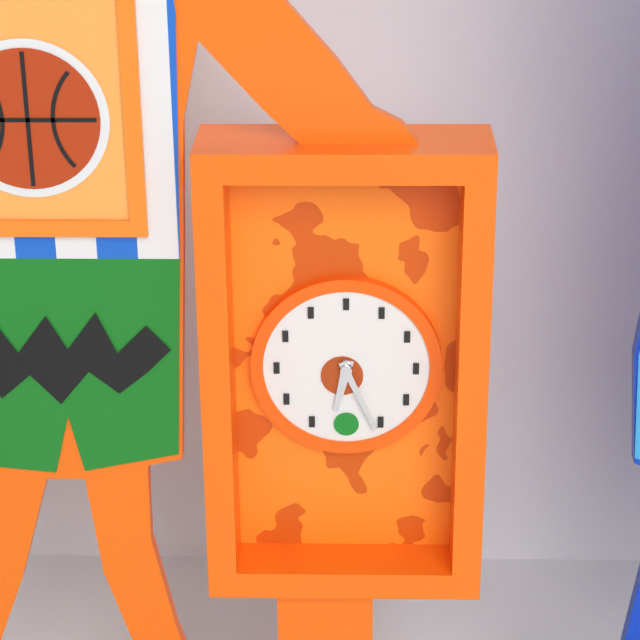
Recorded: {"hour": 6, "minute": 26}
